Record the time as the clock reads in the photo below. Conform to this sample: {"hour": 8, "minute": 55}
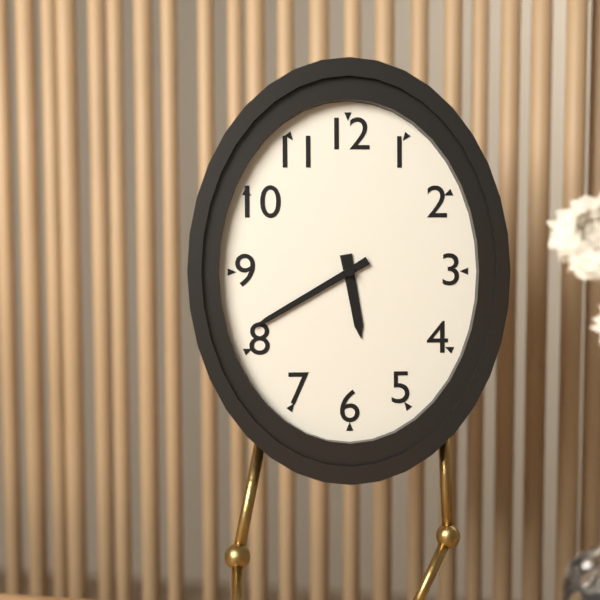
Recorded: {"hour": 5, "minute": 40}
